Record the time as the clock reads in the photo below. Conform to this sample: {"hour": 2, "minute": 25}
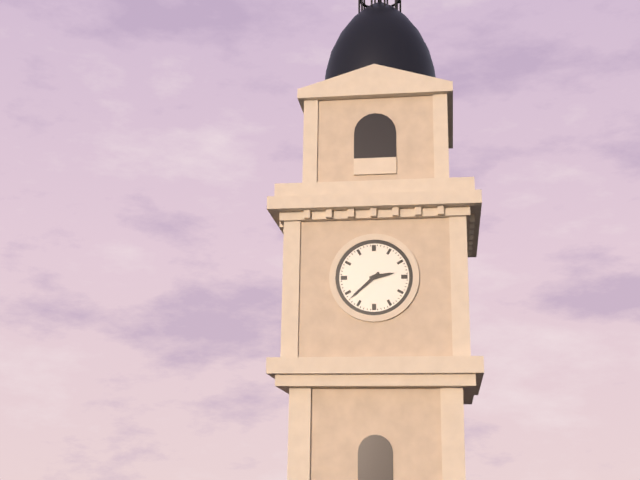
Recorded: {"hour": 2, "minute": 38}
